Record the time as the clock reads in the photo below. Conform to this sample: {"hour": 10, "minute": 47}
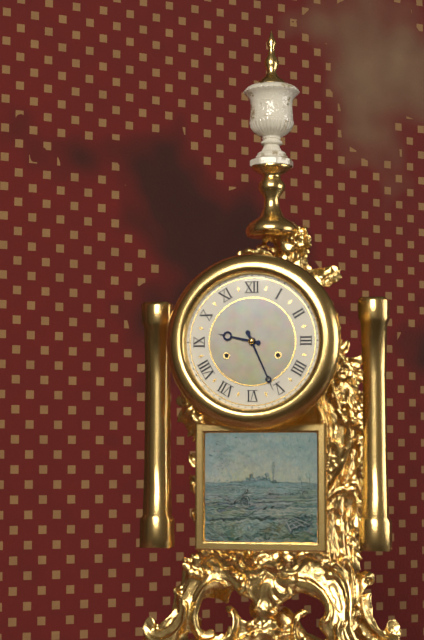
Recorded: {"hour": 9, "minute": 26}
